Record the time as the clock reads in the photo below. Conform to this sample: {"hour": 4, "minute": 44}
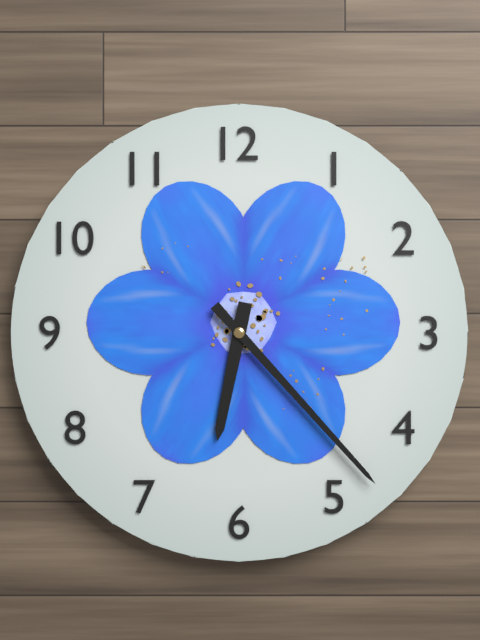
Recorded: {"hour": 6, "minute": 23}
